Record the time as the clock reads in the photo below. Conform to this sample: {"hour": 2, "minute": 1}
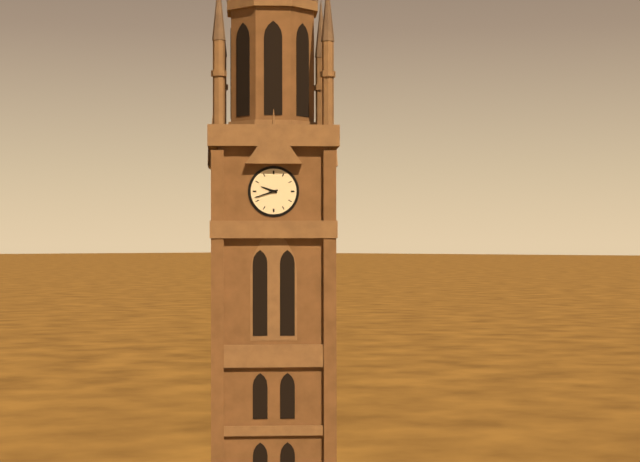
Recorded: {"hour": 9, "minute": 42}
